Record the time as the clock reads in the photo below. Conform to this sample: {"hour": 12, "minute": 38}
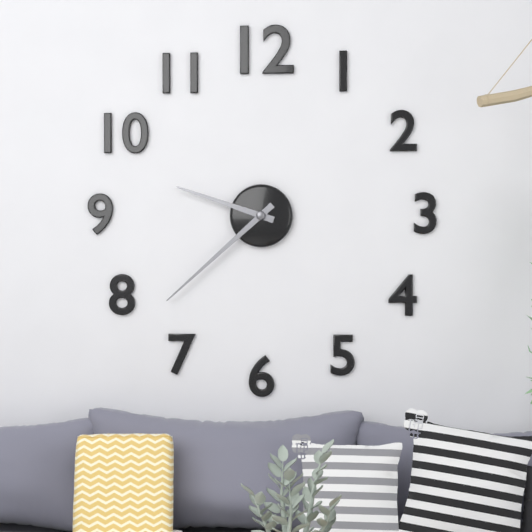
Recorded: {"hour": 9, "minute": 38}
